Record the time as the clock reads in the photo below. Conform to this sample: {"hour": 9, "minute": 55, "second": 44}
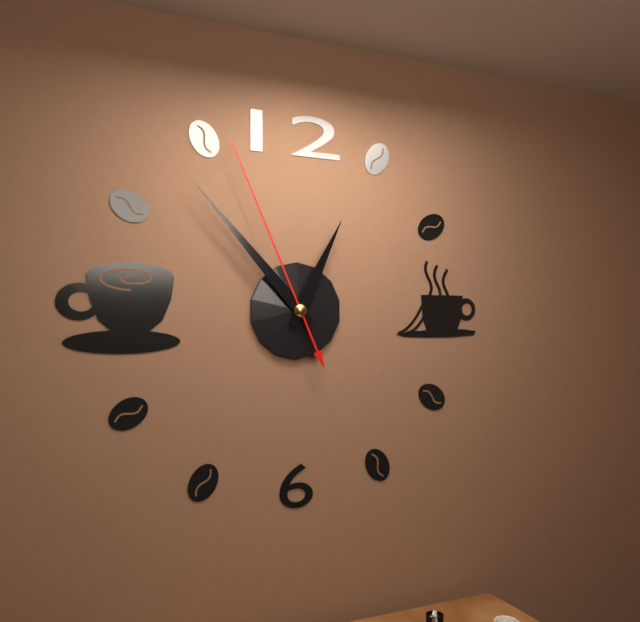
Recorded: {"hour": 12, "minute": 53, "second": 56}
